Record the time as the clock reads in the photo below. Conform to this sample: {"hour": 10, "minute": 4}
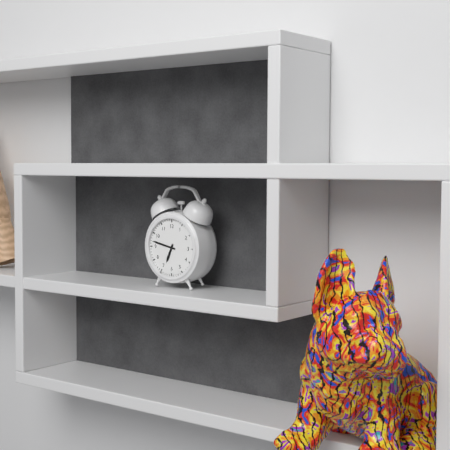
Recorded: {"hour": 6, "minute": 47}
